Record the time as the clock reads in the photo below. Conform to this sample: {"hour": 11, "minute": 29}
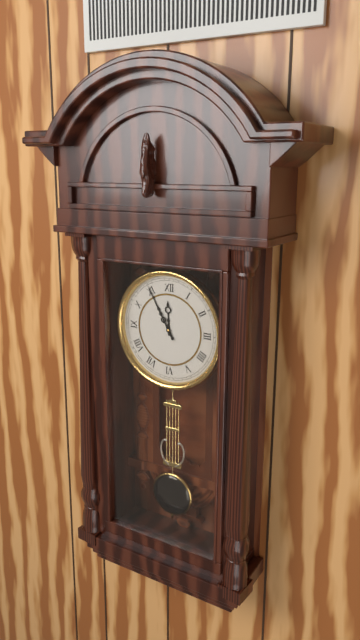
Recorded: {"hour": 11, "minute": 55}
